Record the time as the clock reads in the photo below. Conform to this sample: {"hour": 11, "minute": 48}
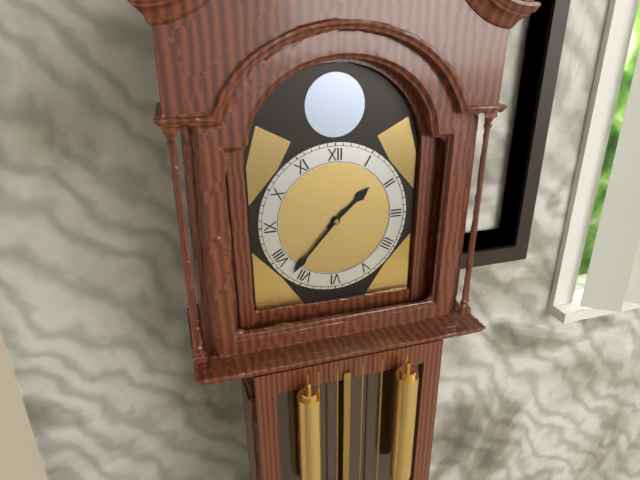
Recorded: {"hour": 1, "minute": 37}
